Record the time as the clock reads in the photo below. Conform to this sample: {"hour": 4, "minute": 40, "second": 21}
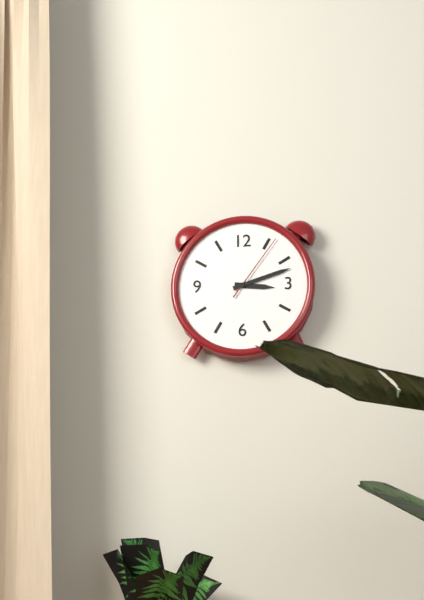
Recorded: {"hour": 3, "minute": 12, "second": 6}
